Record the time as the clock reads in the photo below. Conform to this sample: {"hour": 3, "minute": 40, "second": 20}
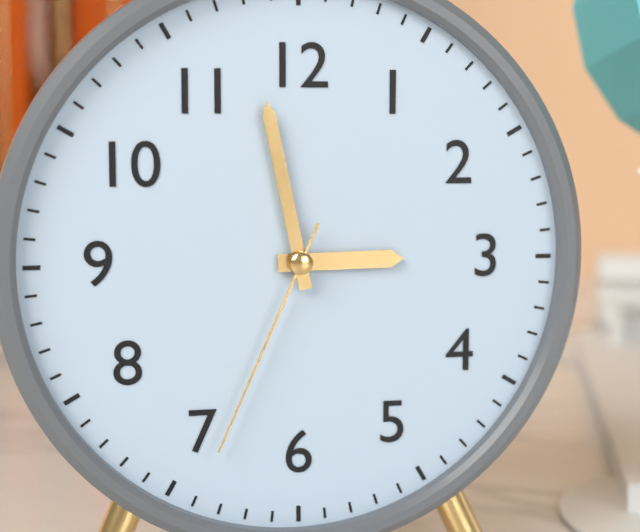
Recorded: {"hour": 2, "minute": 58, "second": 34}
